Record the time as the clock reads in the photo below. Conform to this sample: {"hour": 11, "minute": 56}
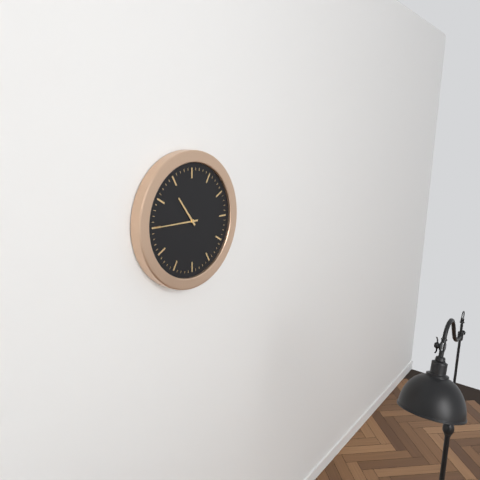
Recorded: {"hour": 10, "minute": 45}
